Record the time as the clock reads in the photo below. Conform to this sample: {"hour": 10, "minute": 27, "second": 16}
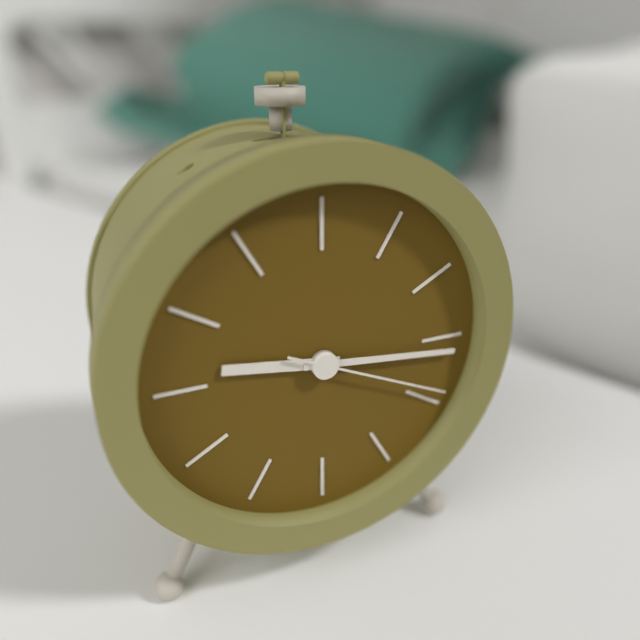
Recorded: {"hour": 9, "minute": 16, "second": 19}
